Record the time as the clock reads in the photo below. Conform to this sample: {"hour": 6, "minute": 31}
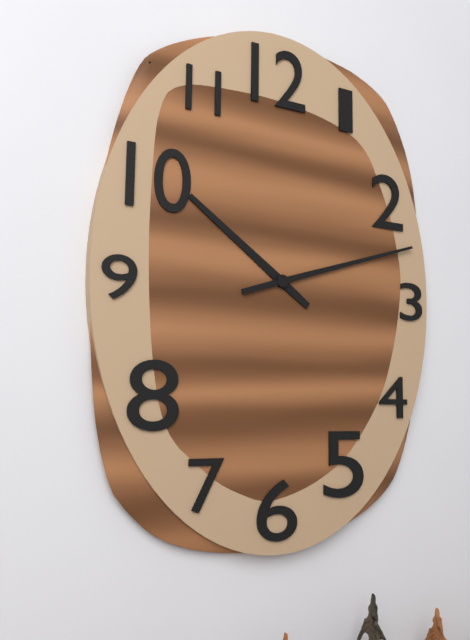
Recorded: {"hour": 10, "minute": 12}
